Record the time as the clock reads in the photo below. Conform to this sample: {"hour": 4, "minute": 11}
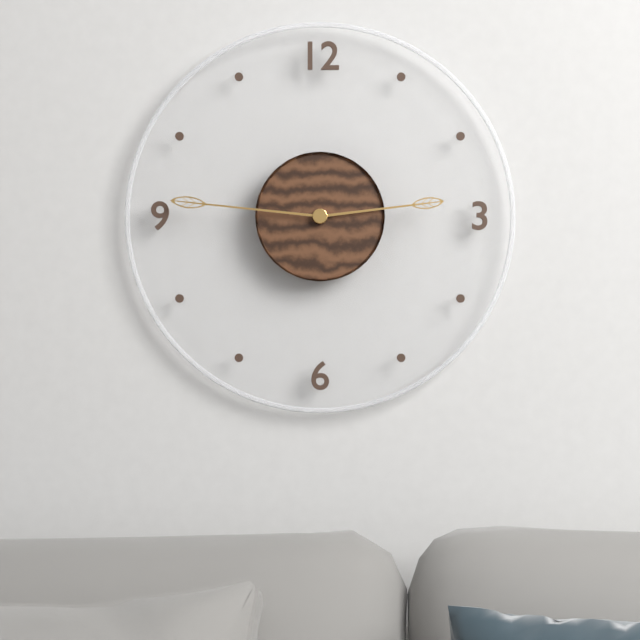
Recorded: {"hour": 2, "minute": 46}
